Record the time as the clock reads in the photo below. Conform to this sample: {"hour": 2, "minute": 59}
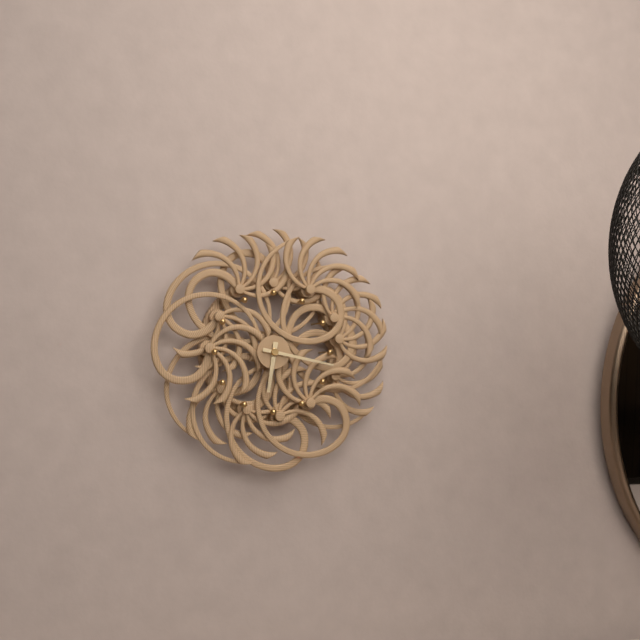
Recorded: {"hour": 6, "minute": 17}
